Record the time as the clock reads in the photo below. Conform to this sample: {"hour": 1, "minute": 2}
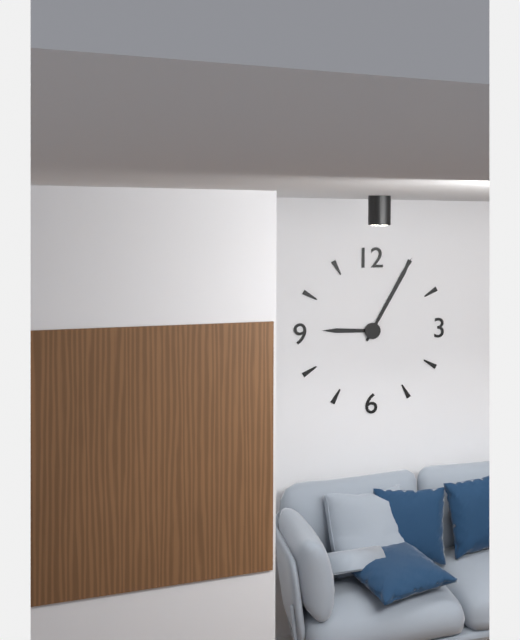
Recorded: {"hour": 9, "minute": 5}
